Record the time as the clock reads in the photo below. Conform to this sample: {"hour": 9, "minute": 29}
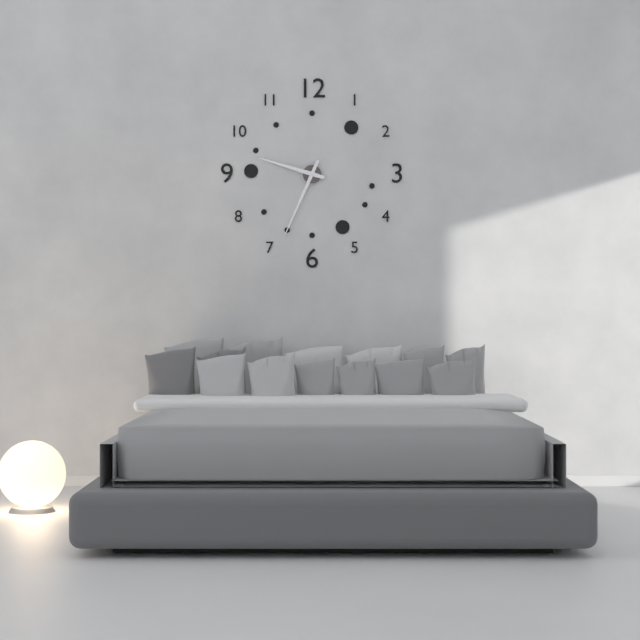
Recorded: {"hour": 9, "minute": 34}
